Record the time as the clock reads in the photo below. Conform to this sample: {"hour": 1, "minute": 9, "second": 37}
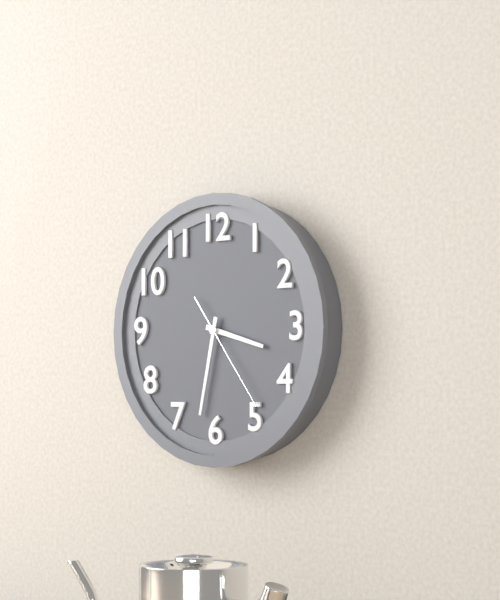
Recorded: {"hour": 3, "minute": 32, "second": 24}
